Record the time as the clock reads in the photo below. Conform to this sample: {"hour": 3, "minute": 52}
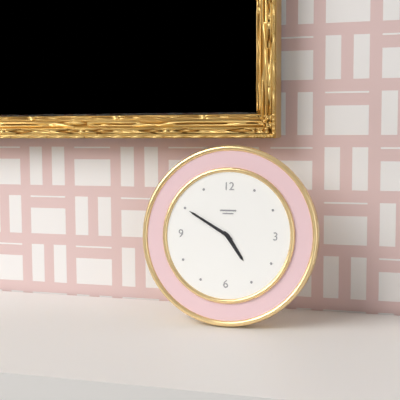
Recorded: {"hour": 4, "minute": 50}
